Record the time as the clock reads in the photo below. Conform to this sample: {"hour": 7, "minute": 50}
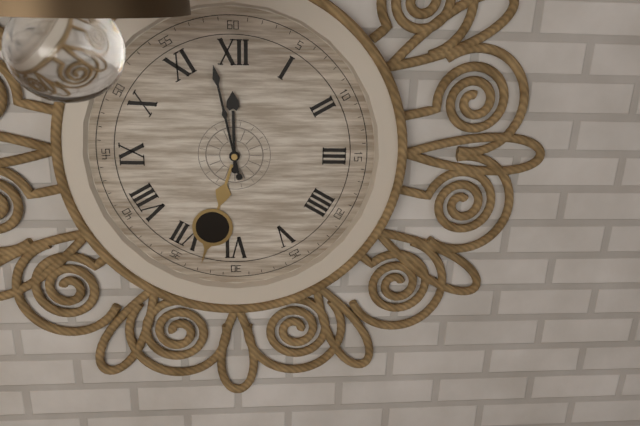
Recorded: {"hour": 11, "minute": 58}
